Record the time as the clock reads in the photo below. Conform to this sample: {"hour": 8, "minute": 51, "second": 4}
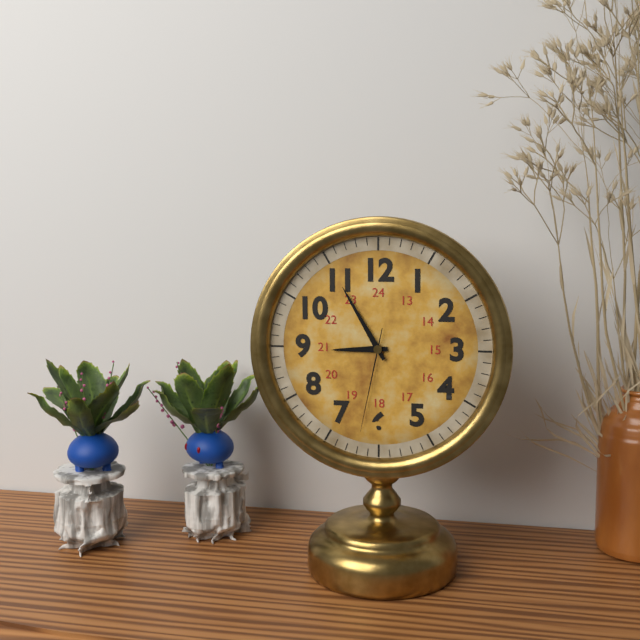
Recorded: {"hour": 8, "minute": 55, "second": 32}
